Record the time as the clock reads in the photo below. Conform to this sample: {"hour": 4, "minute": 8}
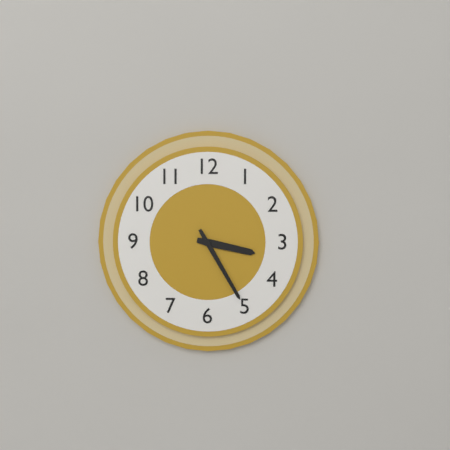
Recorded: {"hour": 3, "minute": 25}
